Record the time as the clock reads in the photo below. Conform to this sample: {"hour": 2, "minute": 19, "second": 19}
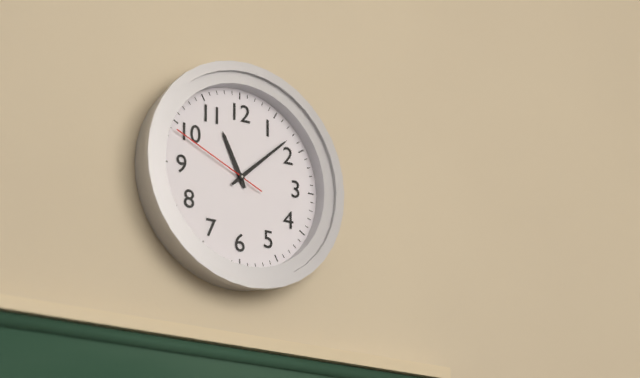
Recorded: {"hour": 11, "minute": 8, "second": 49}
